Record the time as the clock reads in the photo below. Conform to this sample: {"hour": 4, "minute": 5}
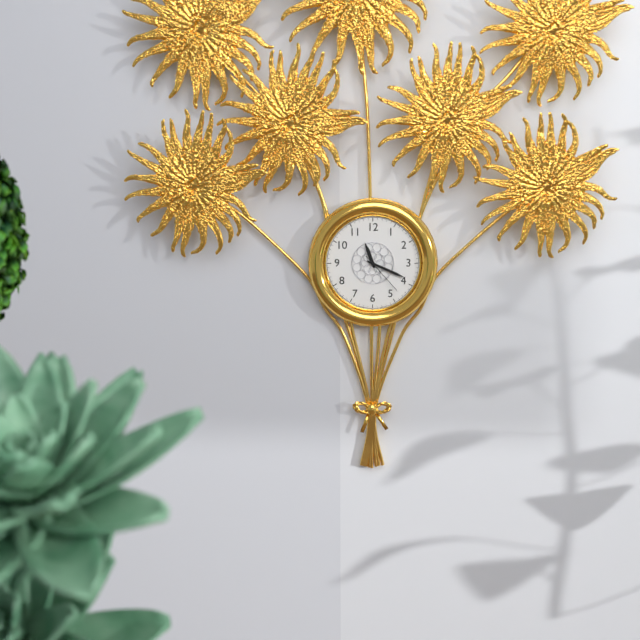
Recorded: {"hour": 11, "minute": 19}
